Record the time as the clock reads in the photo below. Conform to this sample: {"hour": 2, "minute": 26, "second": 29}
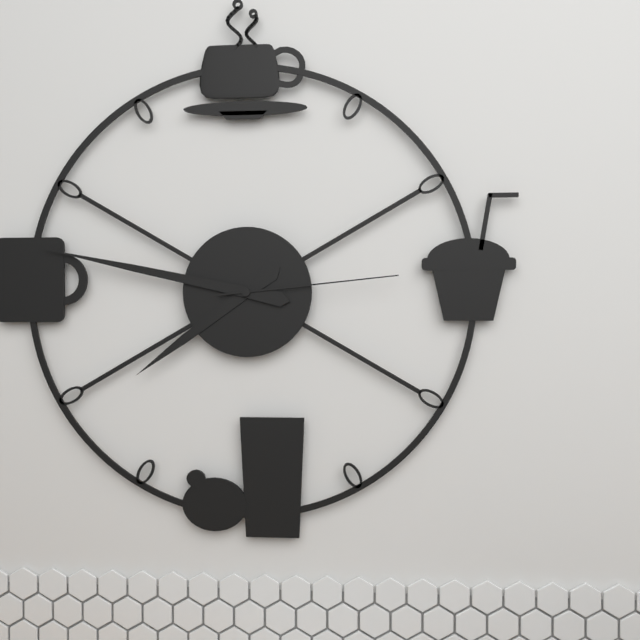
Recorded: {"hour": 7, "minute": 47, "second": 14}
